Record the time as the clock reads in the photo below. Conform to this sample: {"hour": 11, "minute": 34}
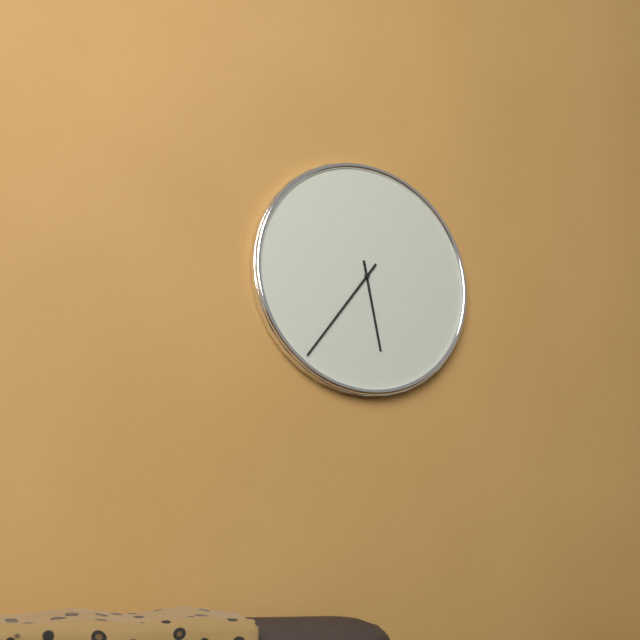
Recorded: {"hour": 5, "minute": 36}
